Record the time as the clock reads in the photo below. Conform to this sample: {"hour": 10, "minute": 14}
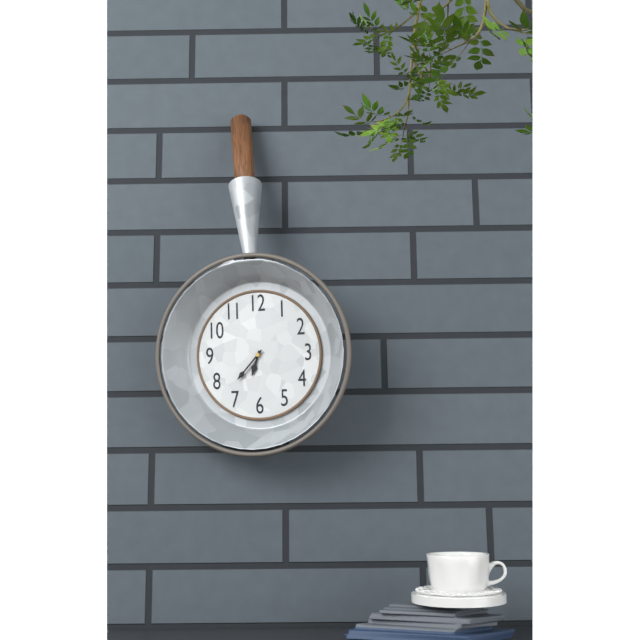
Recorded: {"hour": 6, "minute": 37}
